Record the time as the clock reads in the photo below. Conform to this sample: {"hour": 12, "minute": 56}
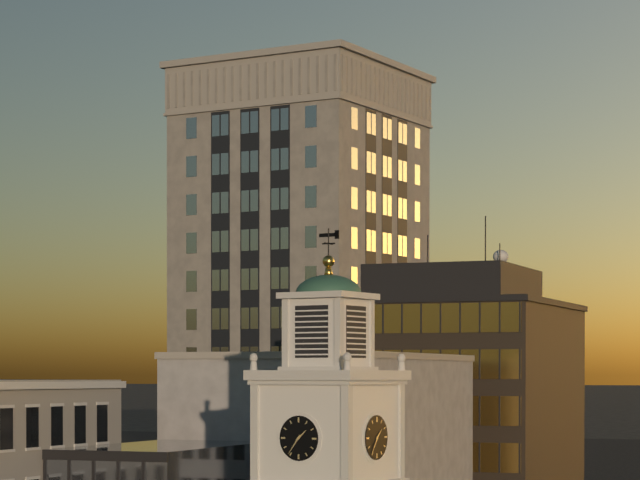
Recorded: {"hour": 1, "minute": 36}
